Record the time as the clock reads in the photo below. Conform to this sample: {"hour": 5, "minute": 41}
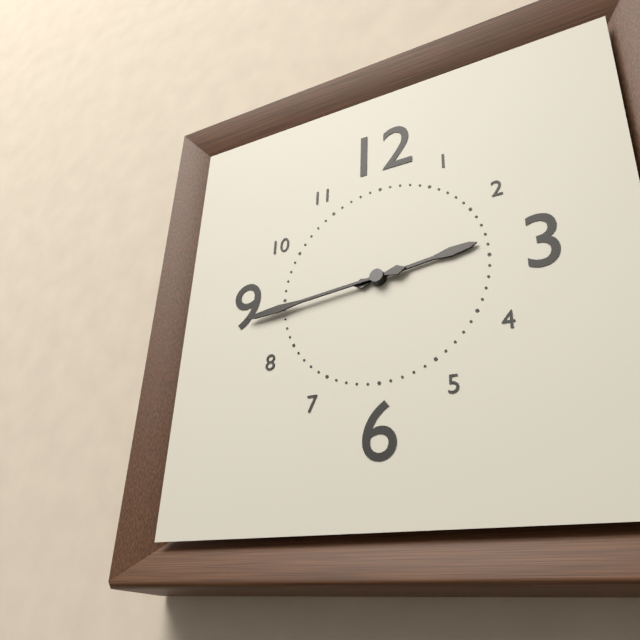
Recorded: {"hour": 2, "minute": 44}
